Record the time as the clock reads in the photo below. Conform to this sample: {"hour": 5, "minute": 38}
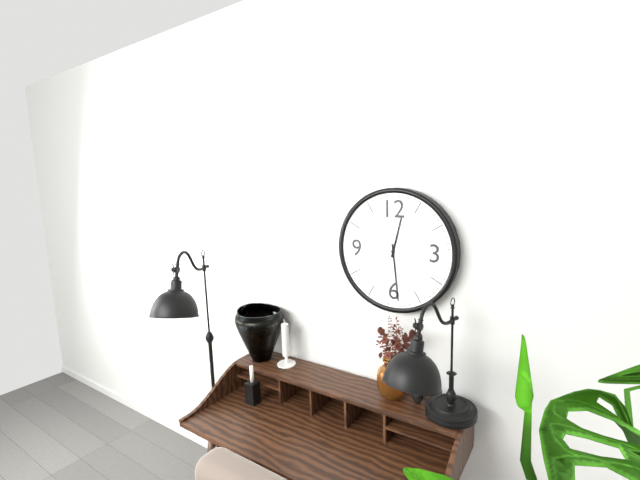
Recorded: {"hour": 12, "minute": 29}
